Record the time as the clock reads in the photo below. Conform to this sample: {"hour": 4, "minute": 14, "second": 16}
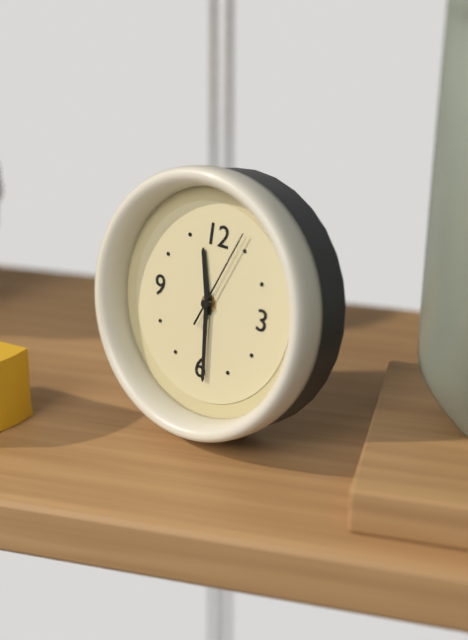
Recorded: {"hour": 11, "minute": 29, "second": 4}
